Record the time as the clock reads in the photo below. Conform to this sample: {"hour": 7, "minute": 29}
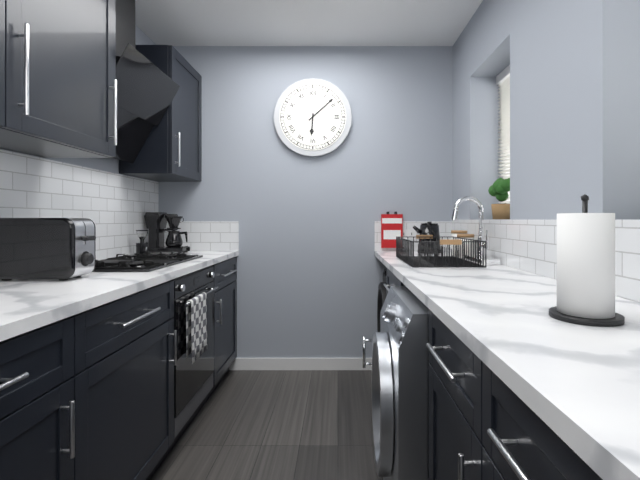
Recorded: {"hour": 6, "minute": 8}
